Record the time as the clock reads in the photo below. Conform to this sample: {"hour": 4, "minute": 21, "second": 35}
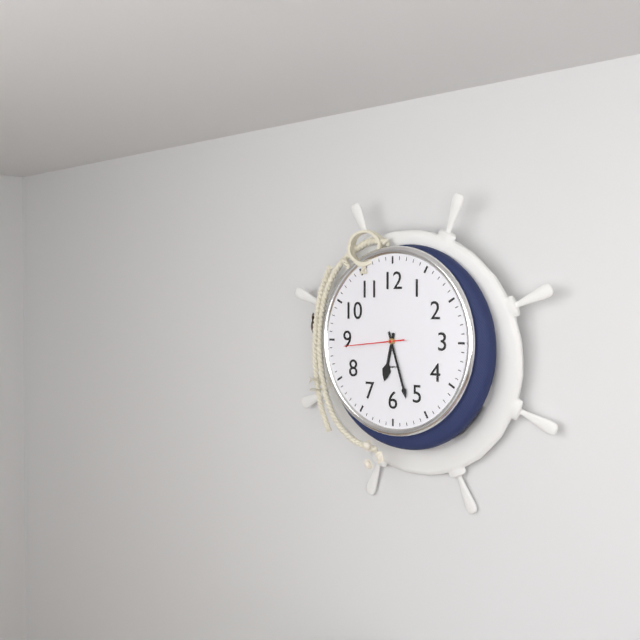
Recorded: {"hour": 6, "minute": 27, "second": 44}
